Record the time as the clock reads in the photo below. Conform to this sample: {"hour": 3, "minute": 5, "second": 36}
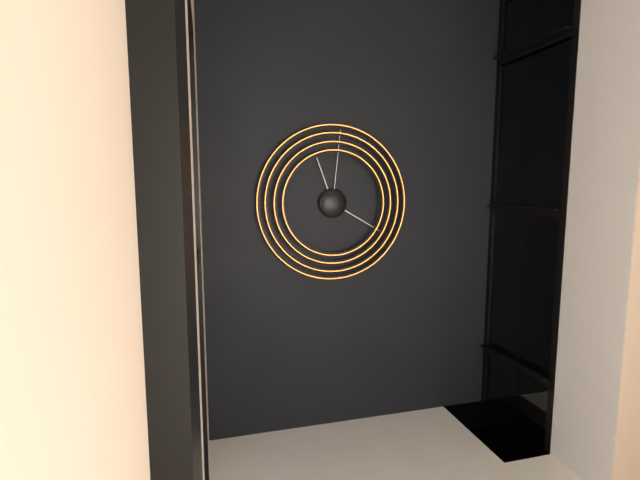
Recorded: {"hour": 11, "minute": 20, "second": 1}
